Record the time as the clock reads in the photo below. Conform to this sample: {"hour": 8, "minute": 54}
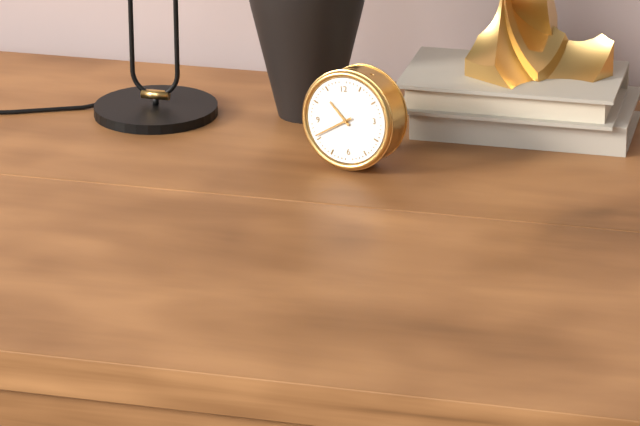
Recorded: {"hour": 10, "minute": 41}
